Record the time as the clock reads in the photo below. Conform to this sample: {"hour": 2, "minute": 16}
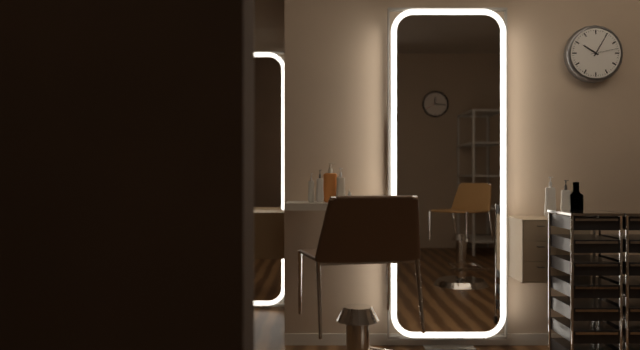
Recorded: {"hour": 10, "minute": 5}
